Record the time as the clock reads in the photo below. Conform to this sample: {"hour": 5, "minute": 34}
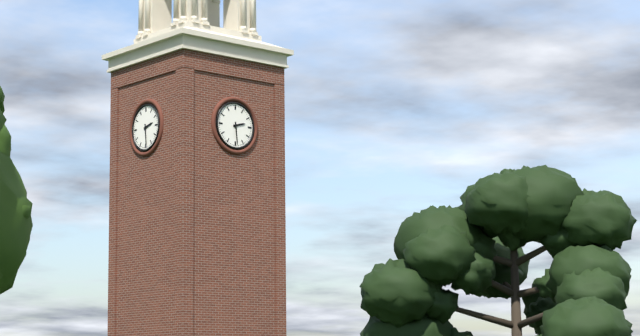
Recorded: {"hour": 2, "minute": 29}
